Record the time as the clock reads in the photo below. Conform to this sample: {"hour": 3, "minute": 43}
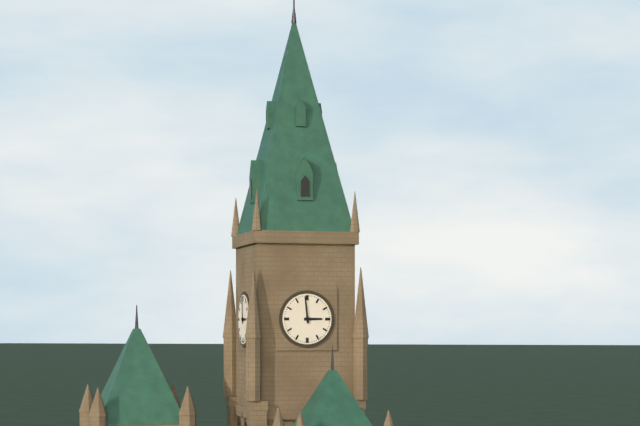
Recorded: {"hour": 2, "minute": 59}
